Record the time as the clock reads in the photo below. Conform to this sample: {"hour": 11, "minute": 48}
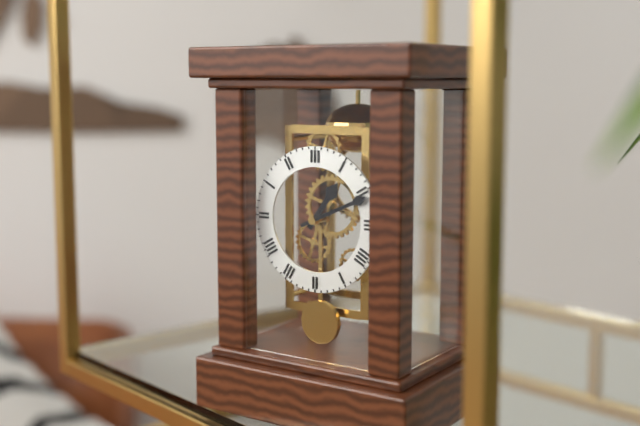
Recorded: {"hour": 1, "minute": 11}
